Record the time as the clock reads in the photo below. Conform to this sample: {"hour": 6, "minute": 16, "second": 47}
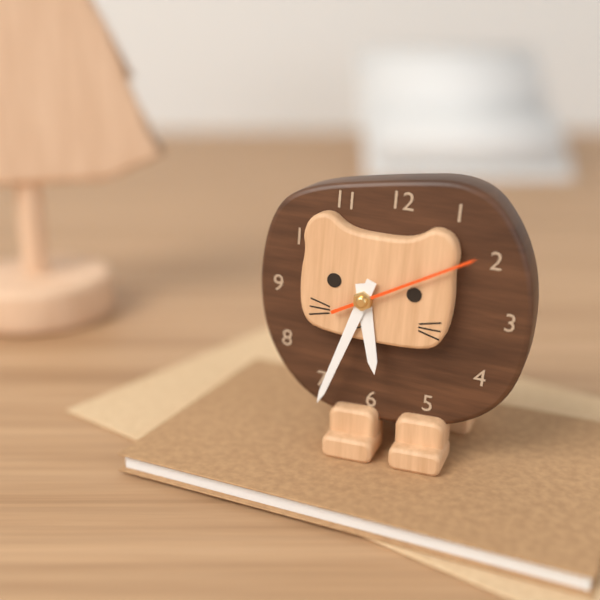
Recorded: {"hour": 5, "minute": 33, "second": 10}
